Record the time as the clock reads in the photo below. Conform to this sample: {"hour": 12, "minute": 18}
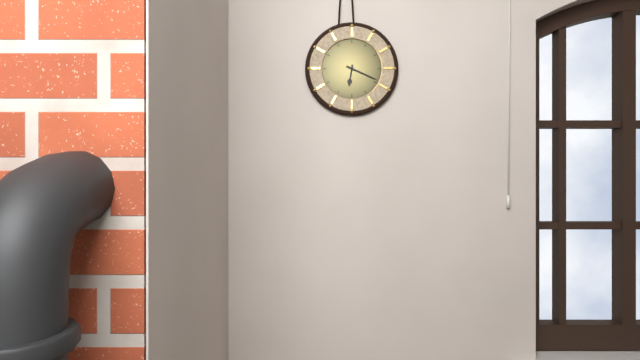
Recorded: {"hour": 6, "minute": 19}
